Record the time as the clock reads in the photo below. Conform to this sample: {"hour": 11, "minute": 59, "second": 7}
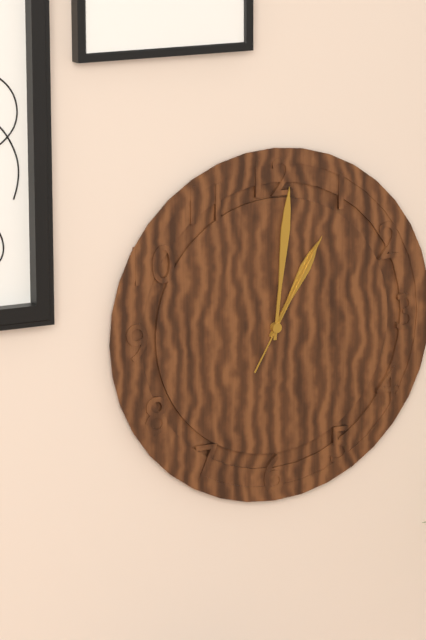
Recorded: {"hour": 1, "minute": 1, "second": 5}
